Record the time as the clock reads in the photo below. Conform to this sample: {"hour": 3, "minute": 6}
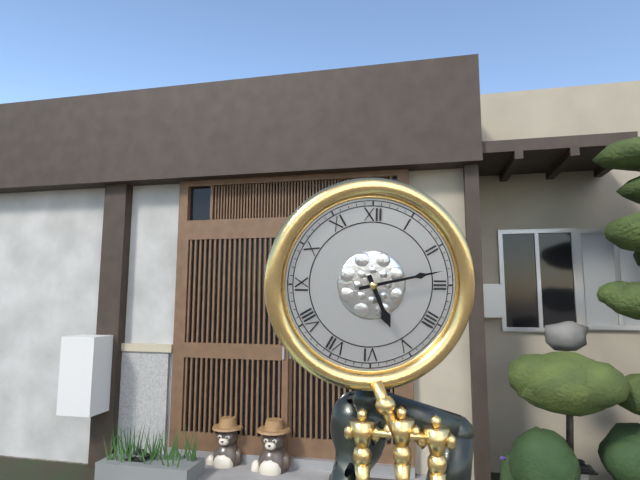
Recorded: {"hour": 5, "minute": 13}
